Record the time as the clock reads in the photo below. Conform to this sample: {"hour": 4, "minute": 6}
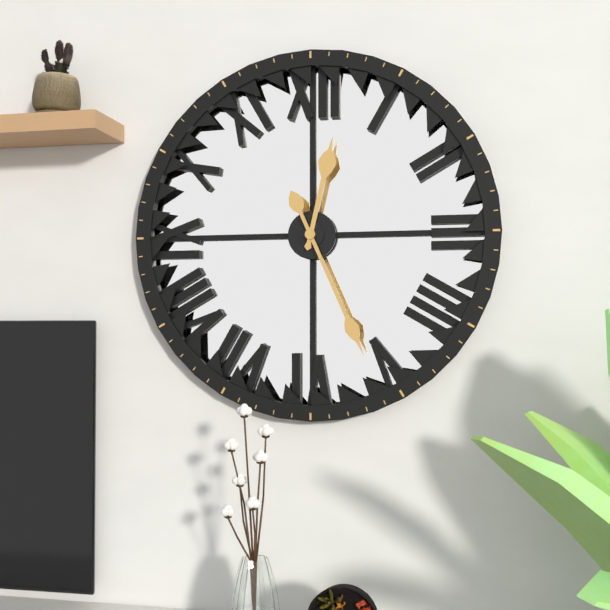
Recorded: {"hour": 12, "minute": 26}
